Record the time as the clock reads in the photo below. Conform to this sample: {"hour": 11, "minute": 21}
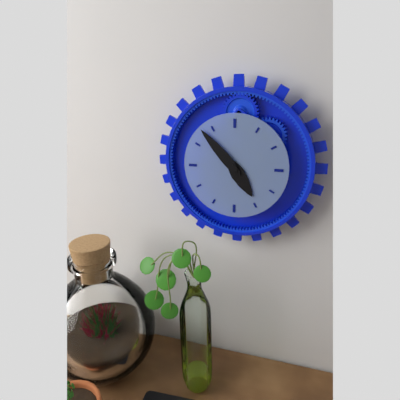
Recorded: {"hour": 4, "minute": 53}
